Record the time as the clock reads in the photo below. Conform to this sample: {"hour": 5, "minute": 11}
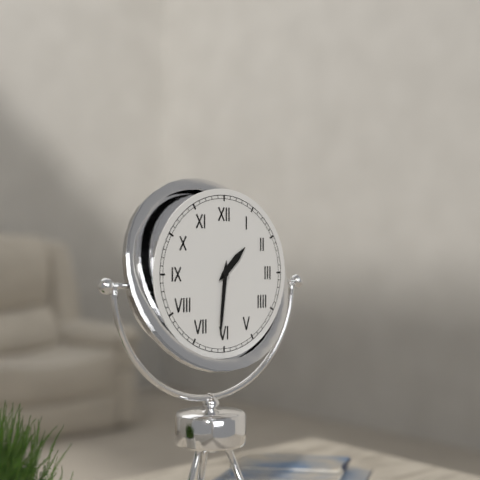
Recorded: {"hour": 1, "minute": 31}
